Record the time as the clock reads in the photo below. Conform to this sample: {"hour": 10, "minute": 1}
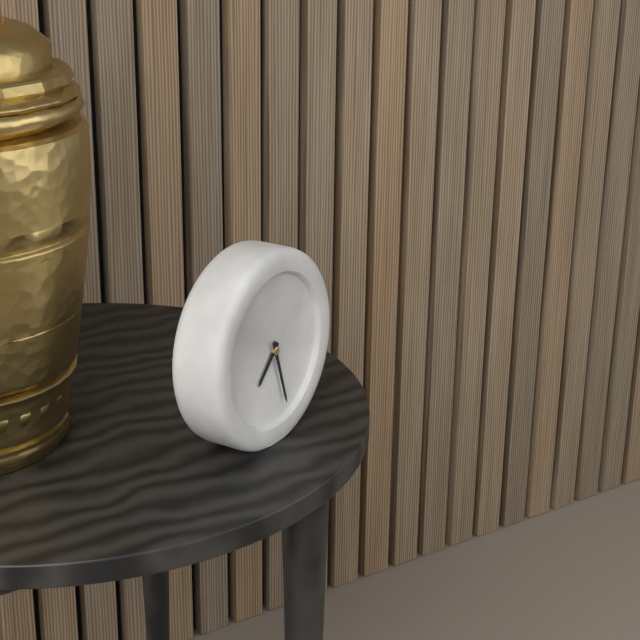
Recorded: {"hour": 7, "minute": 27}
